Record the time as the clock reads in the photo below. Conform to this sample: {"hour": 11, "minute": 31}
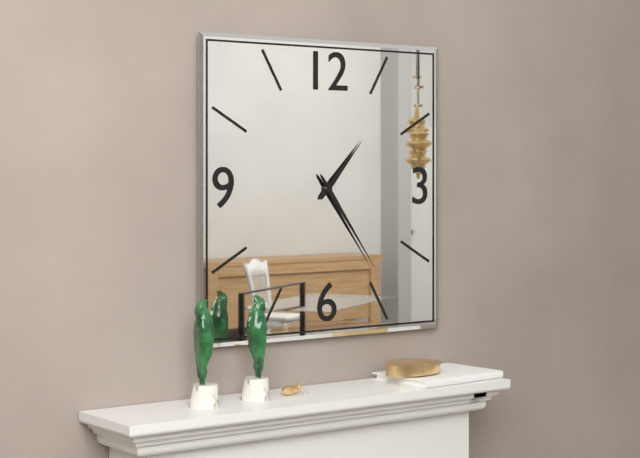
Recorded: {"hour": 1, "minute": 24}
